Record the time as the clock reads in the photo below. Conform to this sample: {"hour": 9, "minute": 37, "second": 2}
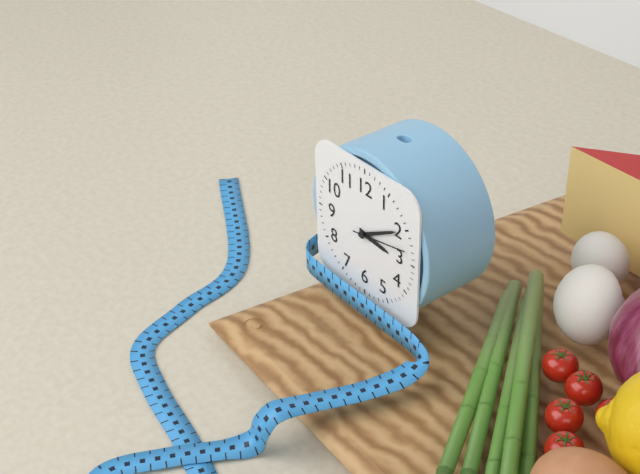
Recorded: {"hour": 3, "minute": 10, "second": 13}
